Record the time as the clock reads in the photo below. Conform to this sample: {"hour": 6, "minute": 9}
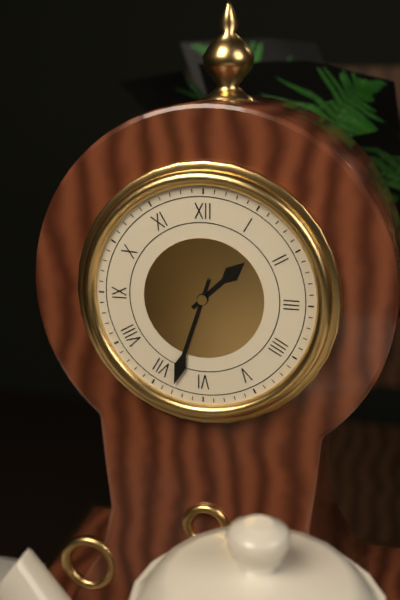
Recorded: {"hour": 1, "minute": 33}
